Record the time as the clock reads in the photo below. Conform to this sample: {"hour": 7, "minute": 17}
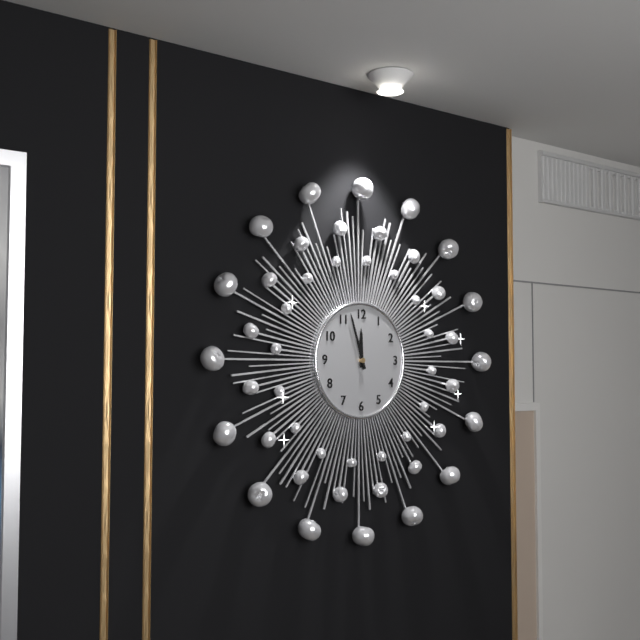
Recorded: {"hour": 11, "minute": 57}
